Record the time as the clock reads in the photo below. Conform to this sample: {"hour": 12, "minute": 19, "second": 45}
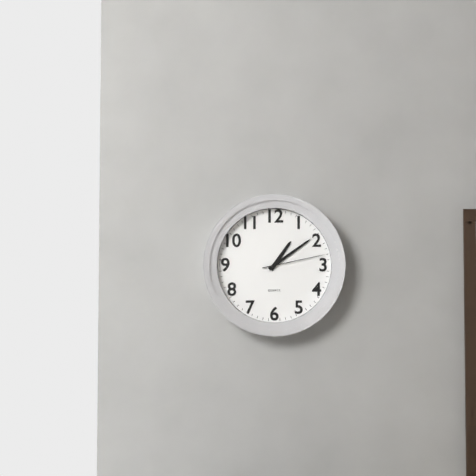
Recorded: {"hour": 1, "minute": 9, "second": 13}
